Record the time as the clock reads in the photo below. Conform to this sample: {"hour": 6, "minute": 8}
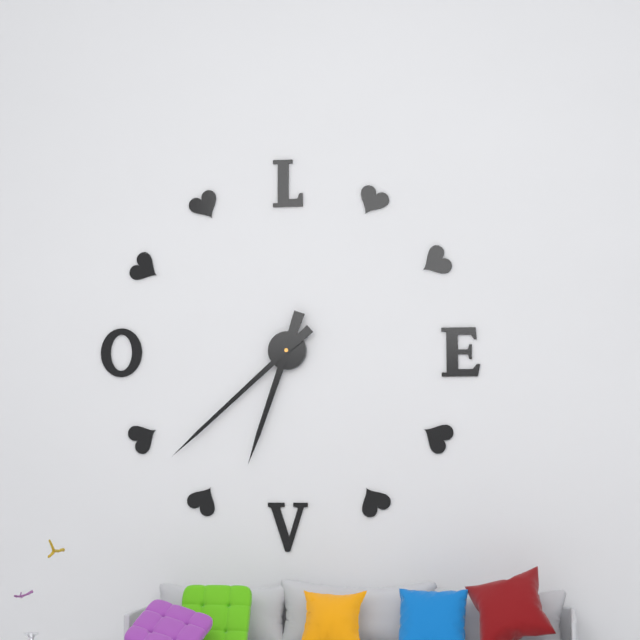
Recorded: {"hour": 6, "minute": 38}
